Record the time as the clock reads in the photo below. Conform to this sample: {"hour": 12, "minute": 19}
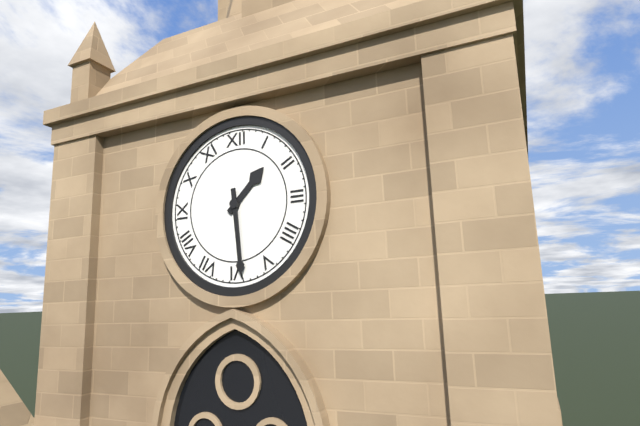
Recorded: {"hour": 1, "minute": 29}
